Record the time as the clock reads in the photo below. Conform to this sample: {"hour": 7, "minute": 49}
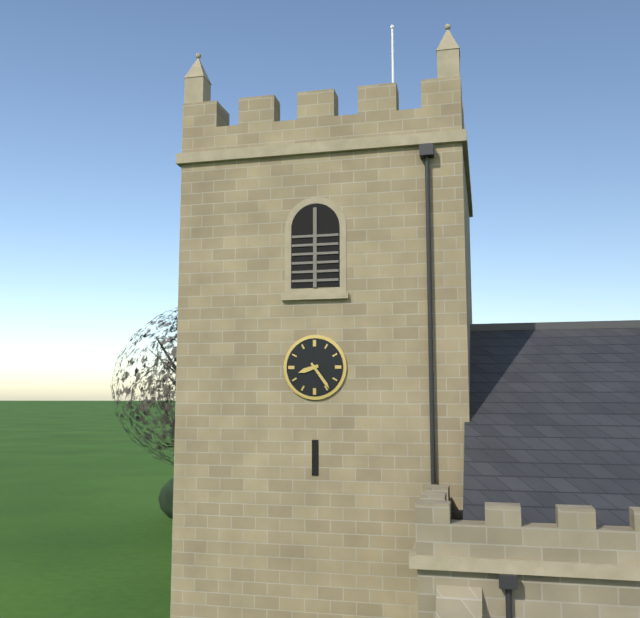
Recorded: {"hour": 8, "minute": 24}
